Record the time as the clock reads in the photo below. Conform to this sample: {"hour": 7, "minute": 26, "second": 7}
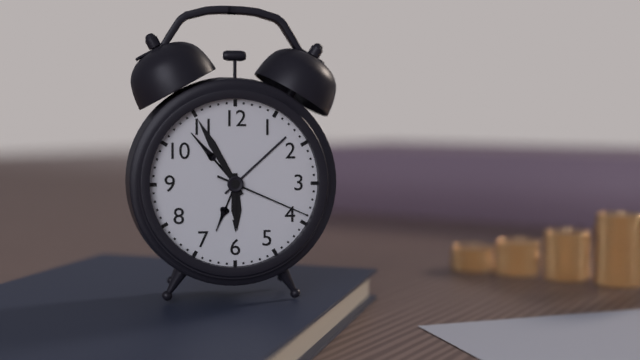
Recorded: {"hour": 5, "minute": 55, "second": 19}
